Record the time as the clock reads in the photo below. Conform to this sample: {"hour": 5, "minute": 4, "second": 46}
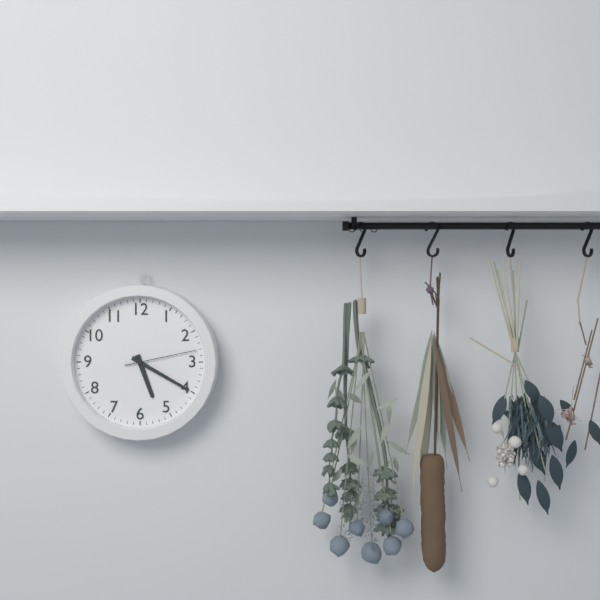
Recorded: {"hour": 5, "minute": 20, "second": 13}
